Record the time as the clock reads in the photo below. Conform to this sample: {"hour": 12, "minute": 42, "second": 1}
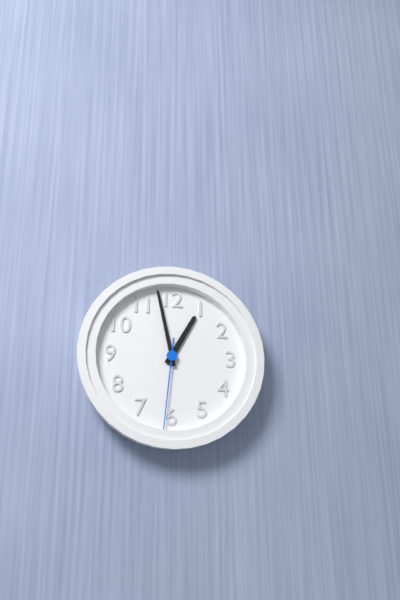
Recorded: {"hour": 12, "minute": 58, "second": 31}
